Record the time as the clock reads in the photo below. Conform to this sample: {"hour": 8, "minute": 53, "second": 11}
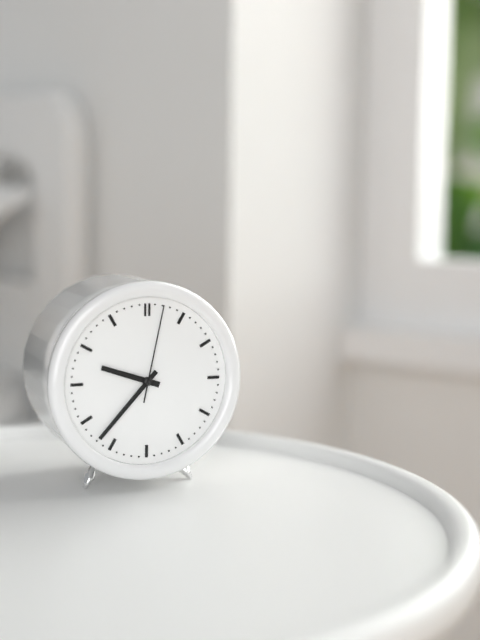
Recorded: {"hour": 9, "minute": 37, "second": 2}
